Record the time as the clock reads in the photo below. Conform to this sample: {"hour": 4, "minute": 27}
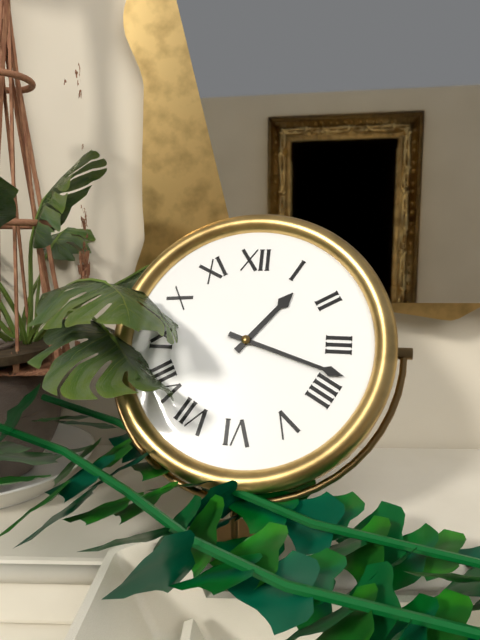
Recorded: {"hour": 1, "minute": 18}
